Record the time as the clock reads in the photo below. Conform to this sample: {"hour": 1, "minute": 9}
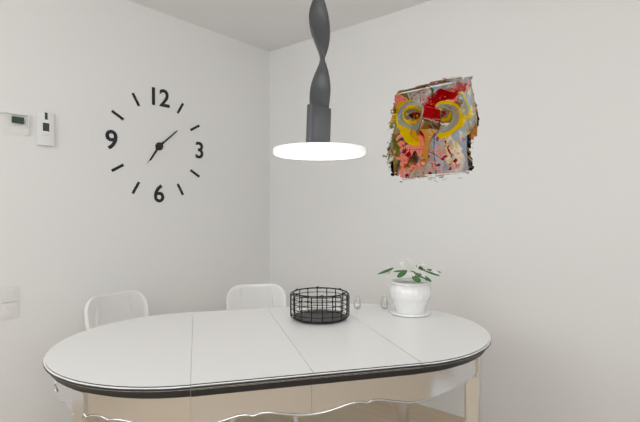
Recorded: {"hour": 7, "minute": 8}
